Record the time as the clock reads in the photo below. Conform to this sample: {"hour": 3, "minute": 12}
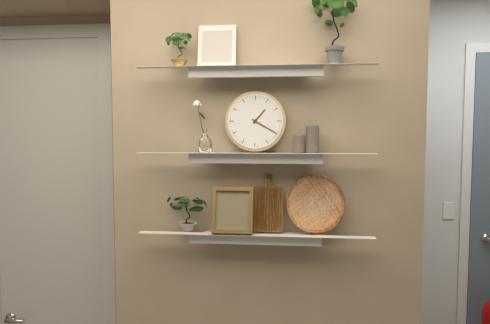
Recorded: {"hour": 1, "minute": 20}
